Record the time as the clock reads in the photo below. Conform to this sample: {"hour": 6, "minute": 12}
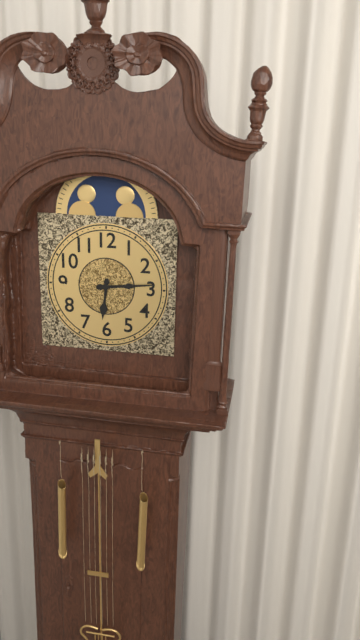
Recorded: {"hour": 6, "minute": 14}
